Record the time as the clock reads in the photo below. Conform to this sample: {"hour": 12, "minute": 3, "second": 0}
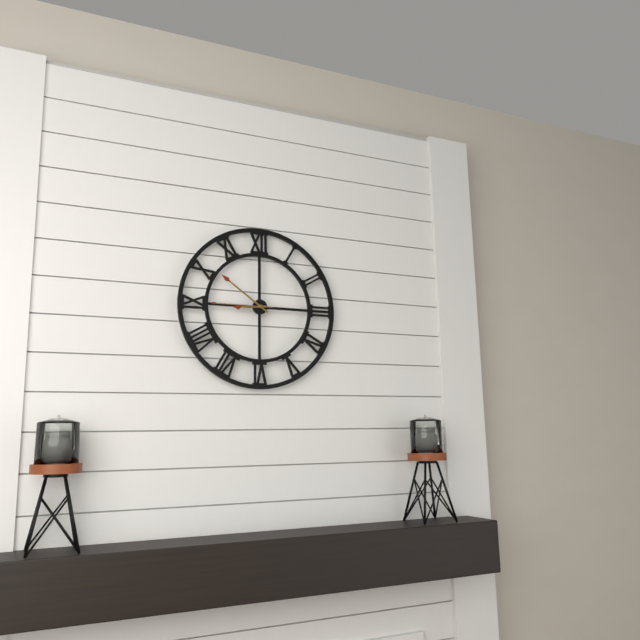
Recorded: {"hour": 8, "minute": 51, "second": 45}
